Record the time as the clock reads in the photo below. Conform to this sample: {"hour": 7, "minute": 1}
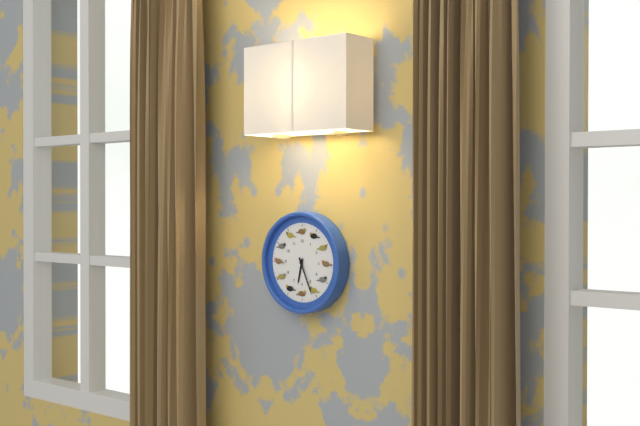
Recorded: {"hour": 6, "minute": 26}
